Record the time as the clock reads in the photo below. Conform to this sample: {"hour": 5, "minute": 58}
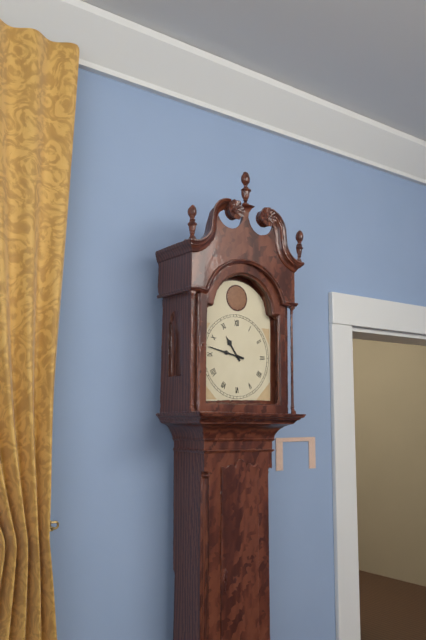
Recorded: {"hour": 10, "minute": 47}
